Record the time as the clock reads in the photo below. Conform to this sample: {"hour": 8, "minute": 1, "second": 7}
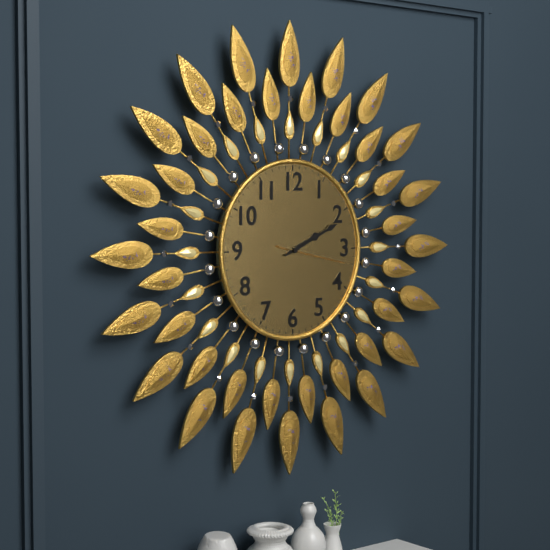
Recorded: {"hour": 2, "minute": 11, "second": 17}
